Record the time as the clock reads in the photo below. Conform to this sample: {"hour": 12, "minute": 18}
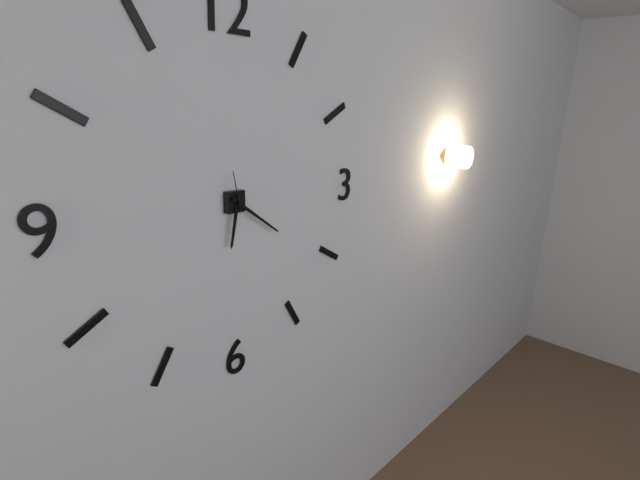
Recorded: {"hour": 6, "minute": 21}
